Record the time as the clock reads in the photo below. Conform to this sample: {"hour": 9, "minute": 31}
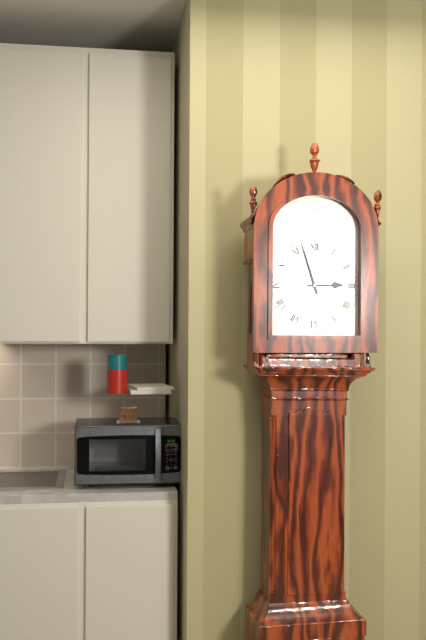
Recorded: {"hour": 2, "minute": 57}
